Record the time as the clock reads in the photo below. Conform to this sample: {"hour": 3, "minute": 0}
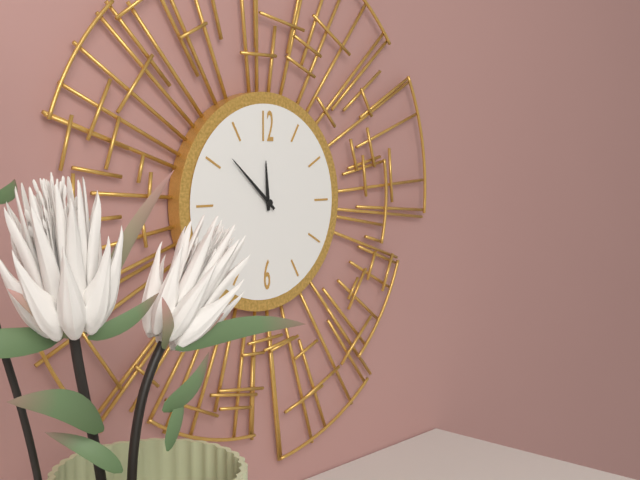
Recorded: {"hour": 11, "minute": 52}
